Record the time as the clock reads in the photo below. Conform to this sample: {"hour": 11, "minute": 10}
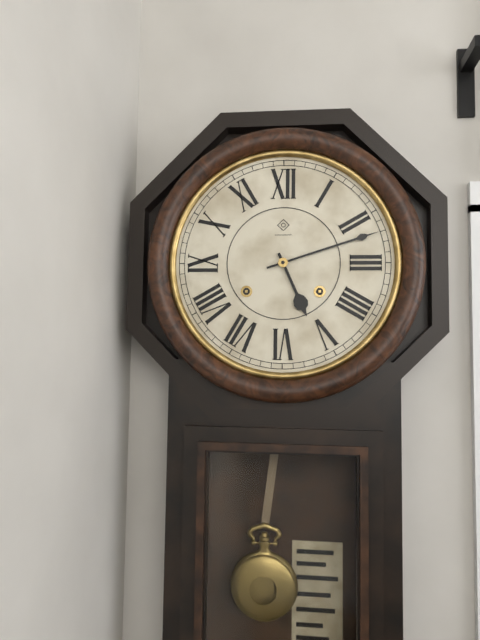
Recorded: {"hour": 5, "minute": 12}
